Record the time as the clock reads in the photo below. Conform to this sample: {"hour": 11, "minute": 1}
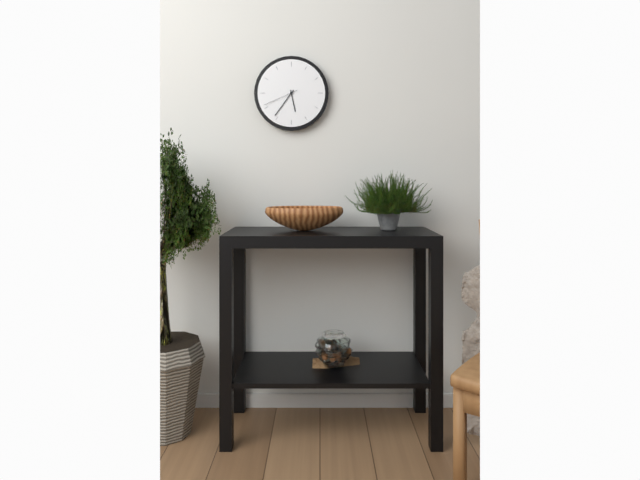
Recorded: {"hour": 5, "minute": 36}
